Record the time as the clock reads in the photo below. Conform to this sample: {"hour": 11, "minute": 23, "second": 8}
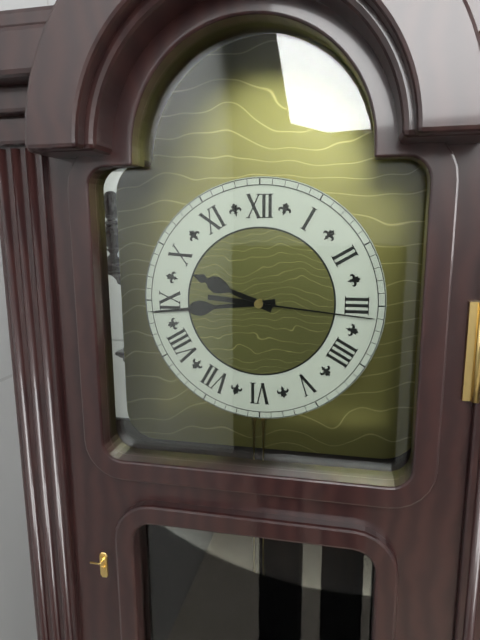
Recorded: {"hour": 9, "minute": 44, "second": 16}
